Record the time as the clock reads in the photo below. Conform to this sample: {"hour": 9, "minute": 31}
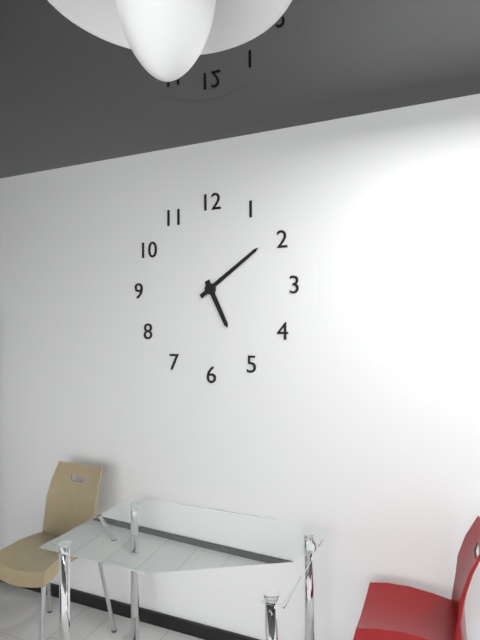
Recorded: {"hour": 5, "minute": 9}
